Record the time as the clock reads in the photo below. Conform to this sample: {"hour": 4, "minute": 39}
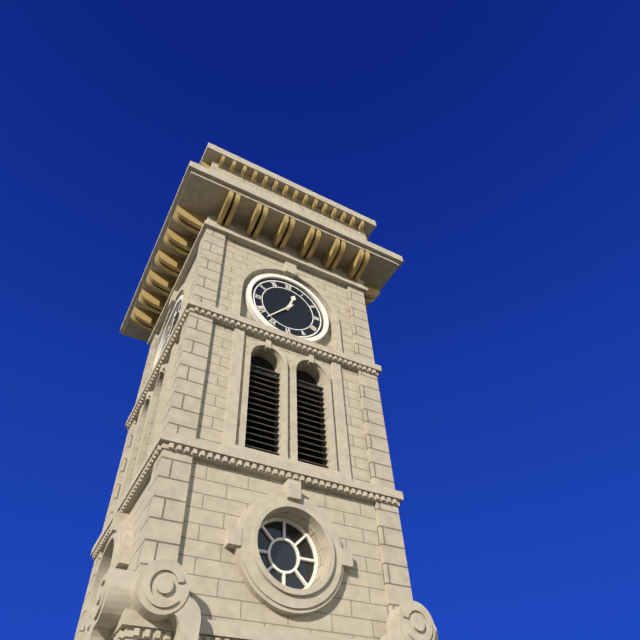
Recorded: {"hour": 12, "minute": 37}
